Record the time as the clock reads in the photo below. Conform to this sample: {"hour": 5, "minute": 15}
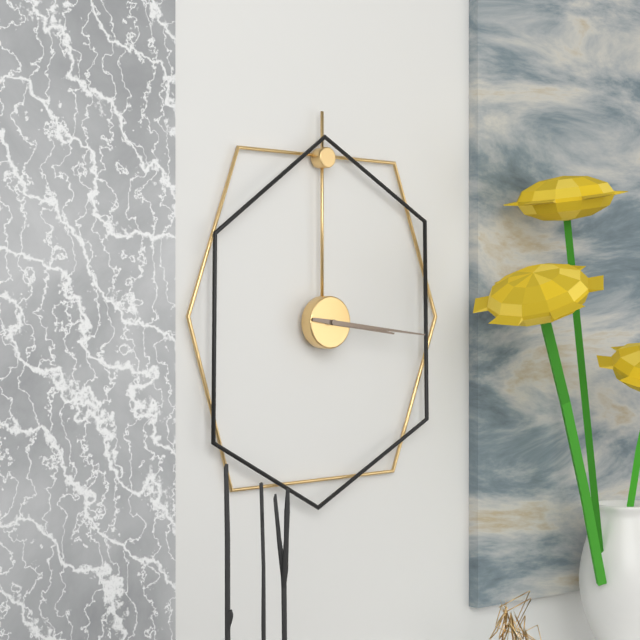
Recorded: {"hour": 3, "minute": 16}
